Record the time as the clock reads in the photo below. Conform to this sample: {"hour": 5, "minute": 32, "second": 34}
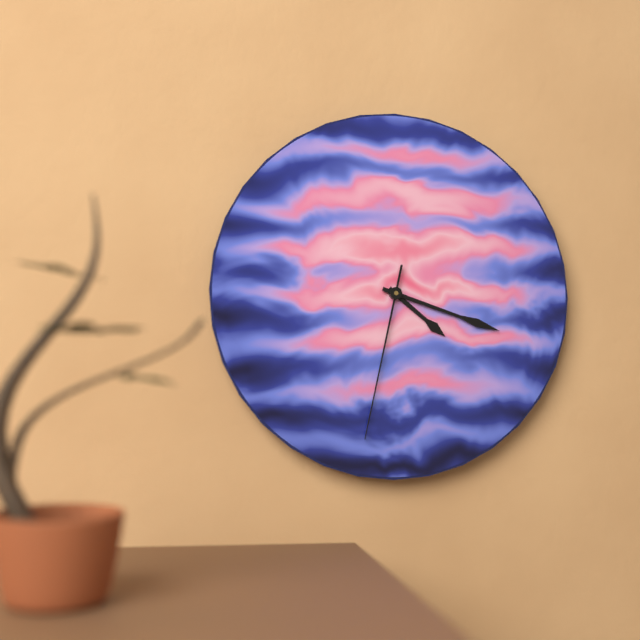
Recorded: {"hour": 4, "minute": 18, "second": 32}
